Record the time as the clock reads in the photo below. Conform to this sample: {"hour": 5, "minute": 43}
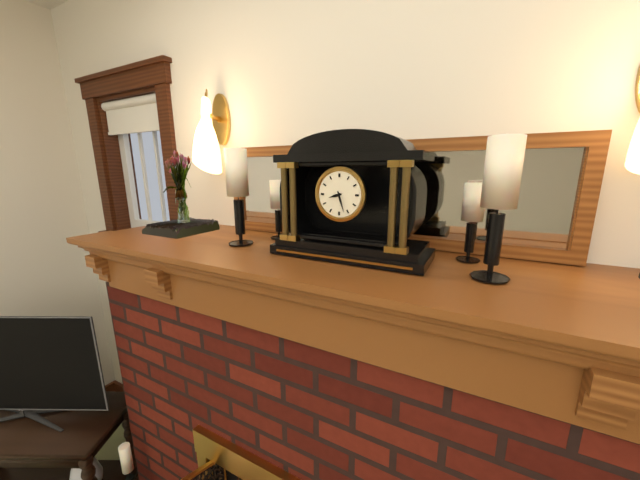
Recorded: {"hour": 8, "minute": 27}
